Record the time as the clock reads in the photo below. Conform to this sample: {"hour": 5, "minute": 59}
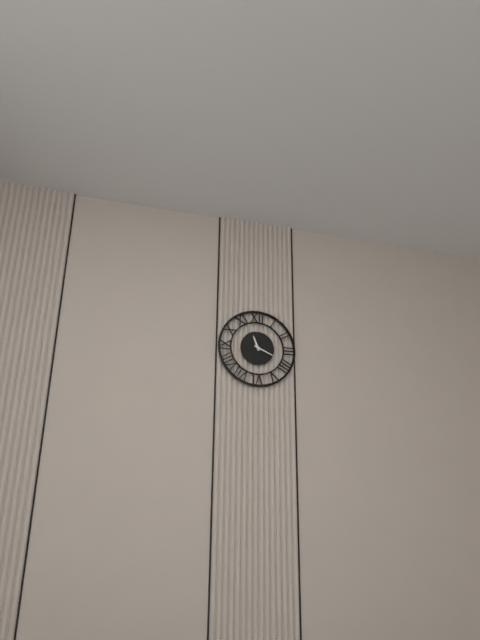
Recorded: {"hour": 11, "minute": 19}
